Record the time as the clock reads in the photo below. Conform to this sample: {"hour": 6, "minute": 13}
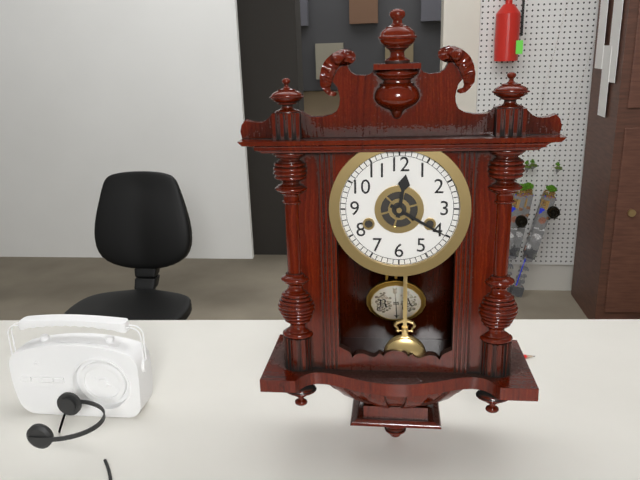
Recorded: {"hour": 12, "minute": 20}
